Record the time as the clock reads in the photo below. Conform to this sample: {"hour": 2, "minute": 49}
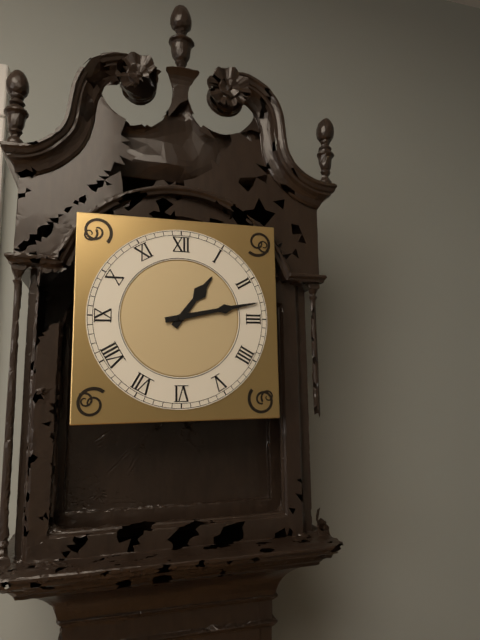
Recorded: {"hour": 1, "minute": 13}
